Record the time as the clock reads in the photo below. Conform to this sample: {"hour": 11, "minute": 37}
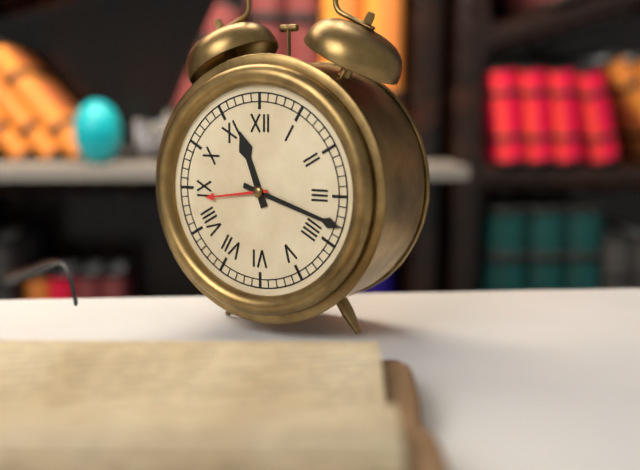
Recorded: {"hour": 11, "minute": 18}
